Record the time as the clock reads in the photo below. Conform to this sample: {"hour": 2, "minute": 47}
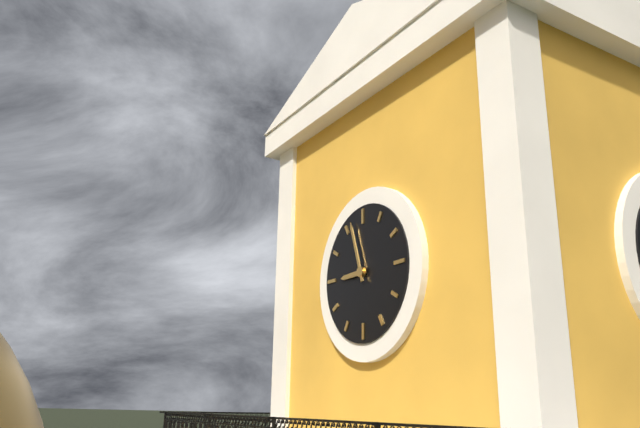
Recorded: {"hour": 8, "minute": 57}
